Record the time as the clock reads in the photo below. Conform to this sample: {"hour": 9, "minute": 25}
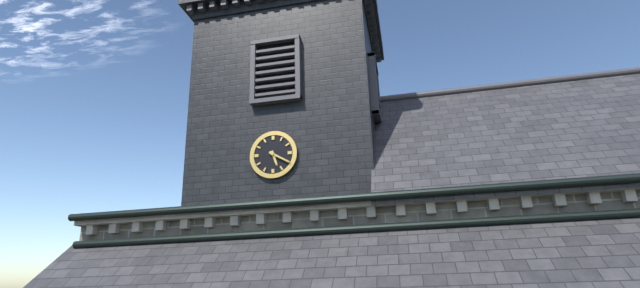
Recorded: {"hour": 5, "minute": 20}
